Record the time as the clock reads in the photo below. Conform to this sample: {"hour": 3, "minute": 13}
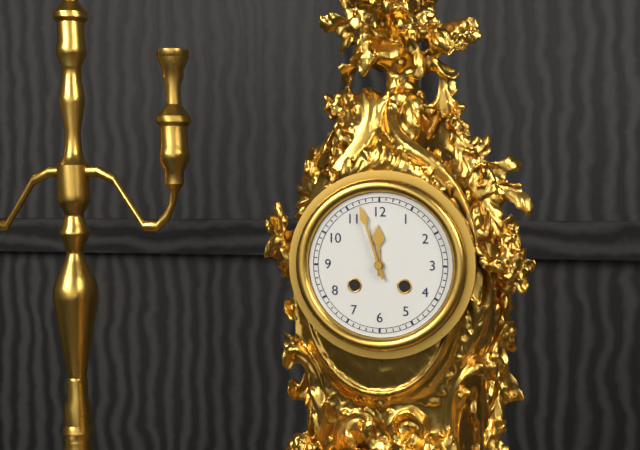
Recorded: {"hour": 11, "minute": 57}
